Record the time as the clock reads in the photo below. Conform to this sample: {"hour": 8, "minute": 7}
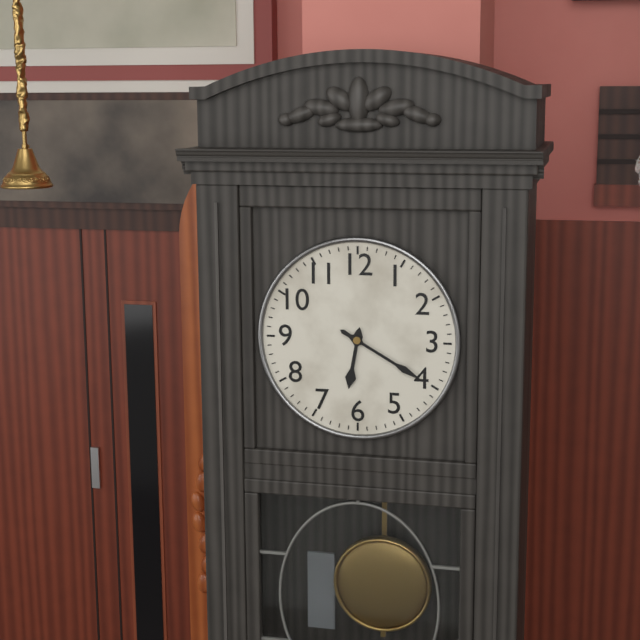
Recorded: {"hour": 6, "minute": 20}
